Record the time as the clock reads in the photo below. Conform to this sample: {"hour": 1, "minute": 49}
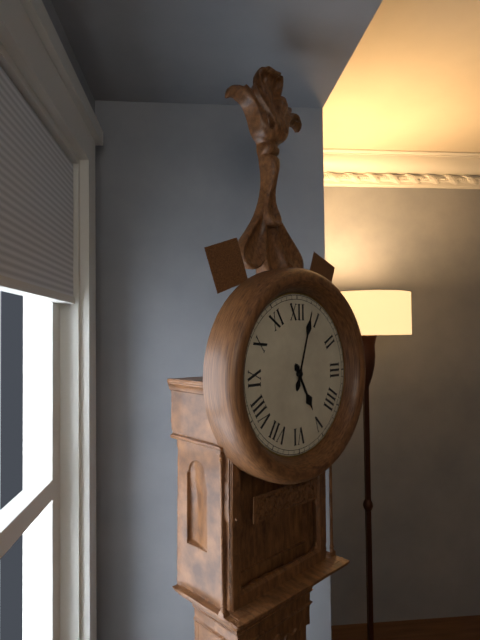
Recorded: {"hour": 5, "minute": 3}
